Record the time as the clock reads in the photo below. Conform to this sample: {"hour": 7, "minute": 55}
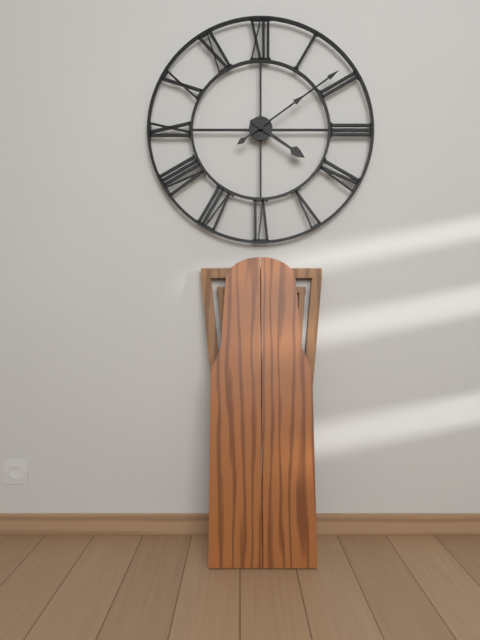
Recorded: {"hour": 4, "minute": 9}
